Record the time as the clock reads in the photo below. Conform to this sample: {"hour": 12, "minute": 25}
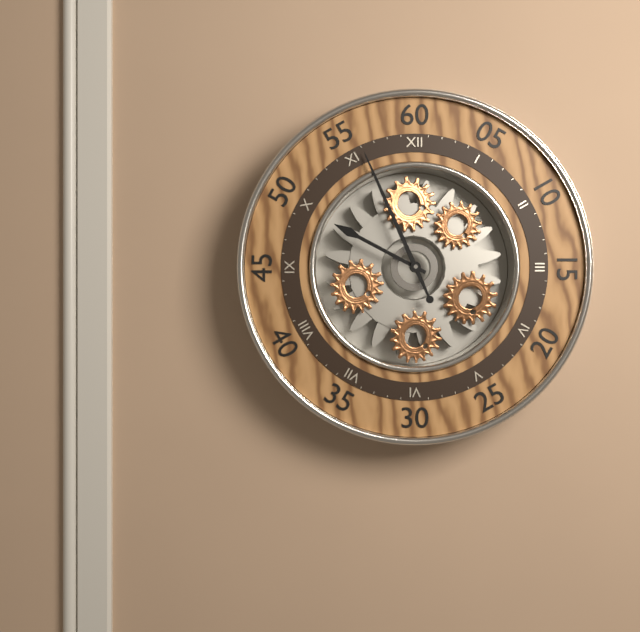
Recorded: {"hour": 9, "minute": 56}
